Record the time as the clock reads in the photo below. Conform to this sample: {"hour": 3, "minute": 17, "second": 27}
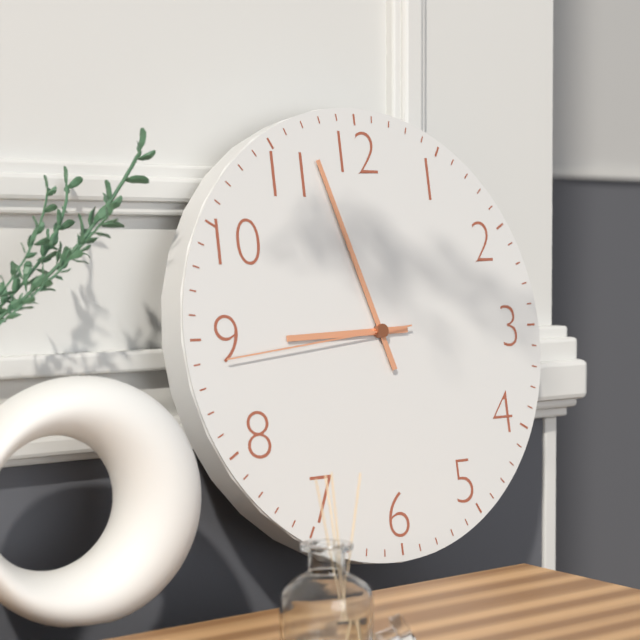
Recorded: {"hour": 8, "minute": 57, "second": 44}
